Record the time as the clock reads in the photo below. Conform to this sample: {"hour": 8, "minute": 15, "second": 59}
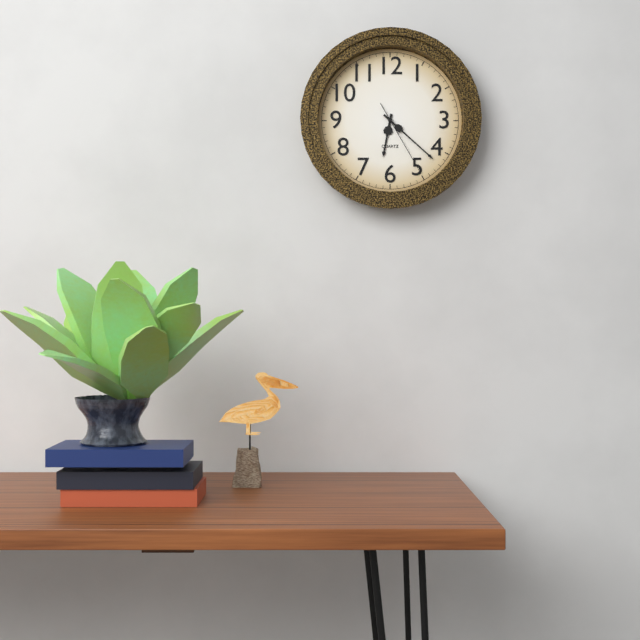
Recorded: {"hour": 6, "minute": 22, "second": 25}
